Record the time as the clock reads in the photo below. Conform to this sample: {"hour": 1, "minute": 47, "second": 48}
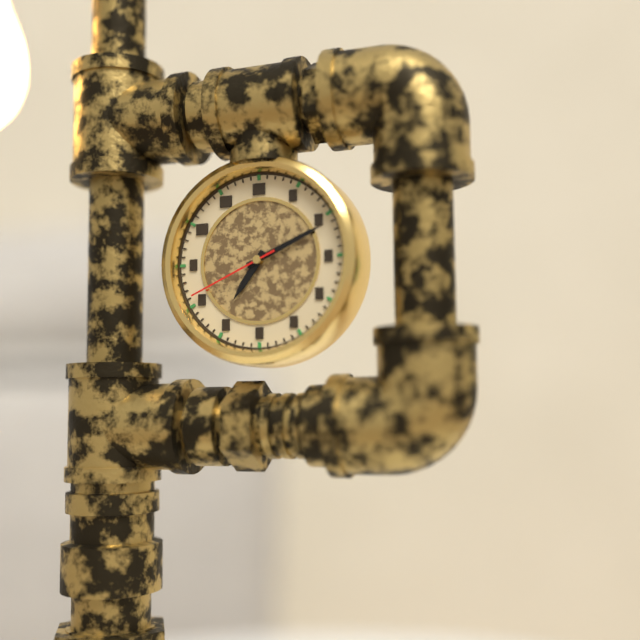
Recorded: {"hour": 7, "minute": 11, "second": 41}
